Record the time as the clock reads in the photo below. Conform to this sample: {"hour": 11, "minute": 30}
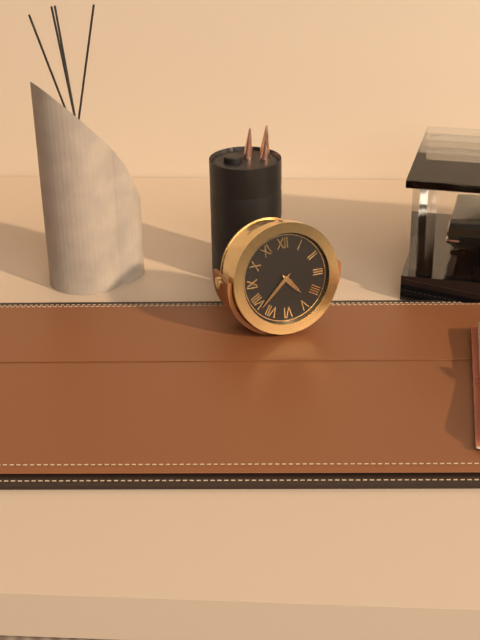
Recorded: {"hour": 4, "minute": 38}
